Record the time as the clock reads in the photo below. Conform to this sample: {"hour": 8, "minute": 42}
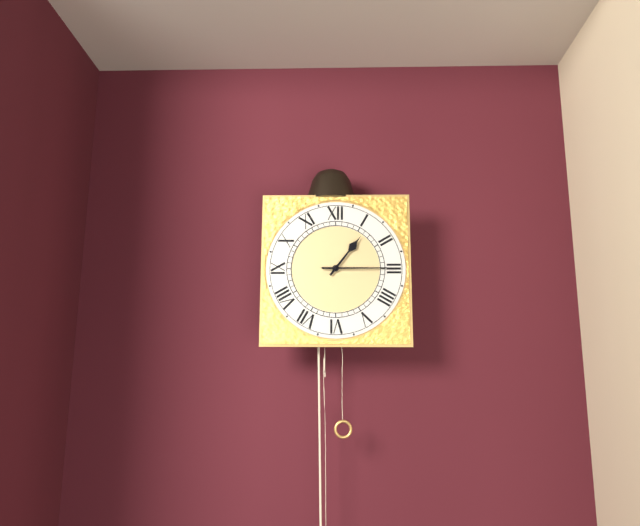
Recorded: {"hour": 1, "minute": 15}
